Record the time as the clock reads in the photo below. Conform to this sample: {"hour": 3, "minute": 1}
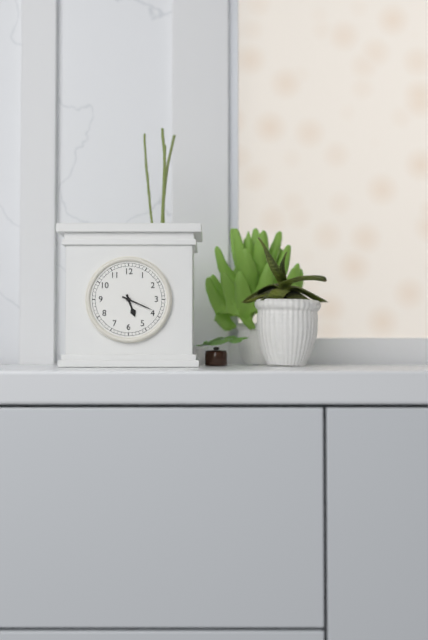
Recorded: {"hour": 5, "minute": 19}
